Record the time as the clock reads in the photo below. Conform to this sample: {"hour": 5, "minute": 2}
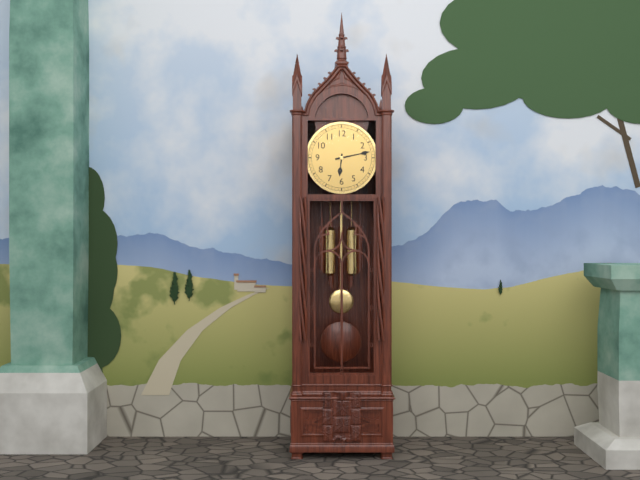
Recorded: {"hour": 6, "minute": 13}
